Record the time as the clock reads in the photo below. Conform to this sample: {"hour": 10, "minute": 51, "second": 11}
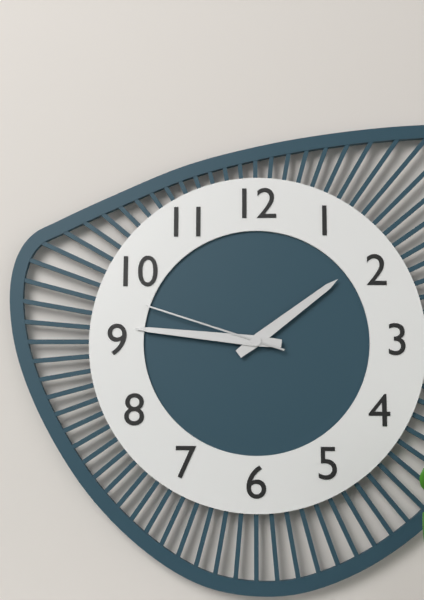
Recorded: {"hour": 1, "minute": 46, "second": 48}
